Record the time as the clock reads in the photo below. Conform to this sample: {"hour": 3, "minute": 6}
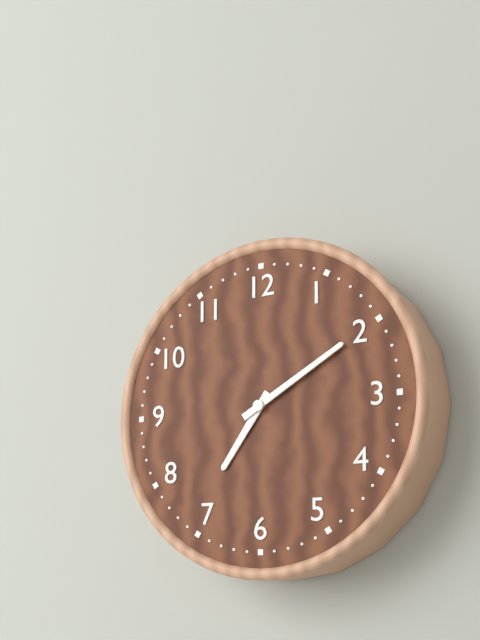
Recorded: {"hour": 7, "minute": 10}
